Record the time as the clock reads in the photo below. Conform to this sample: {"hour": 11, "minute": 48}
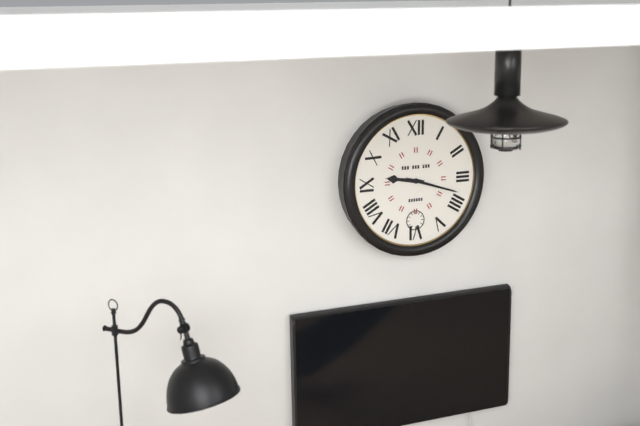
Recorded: {"hour": 9, "minute": 18}
